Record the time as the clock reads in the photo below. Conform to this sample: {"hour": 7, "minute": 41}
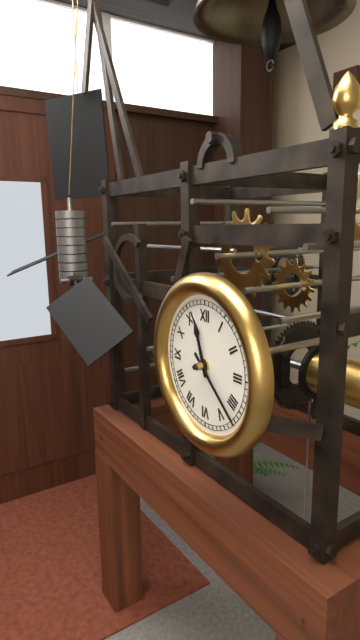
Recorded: {"hour": 11, "minute": 22}
